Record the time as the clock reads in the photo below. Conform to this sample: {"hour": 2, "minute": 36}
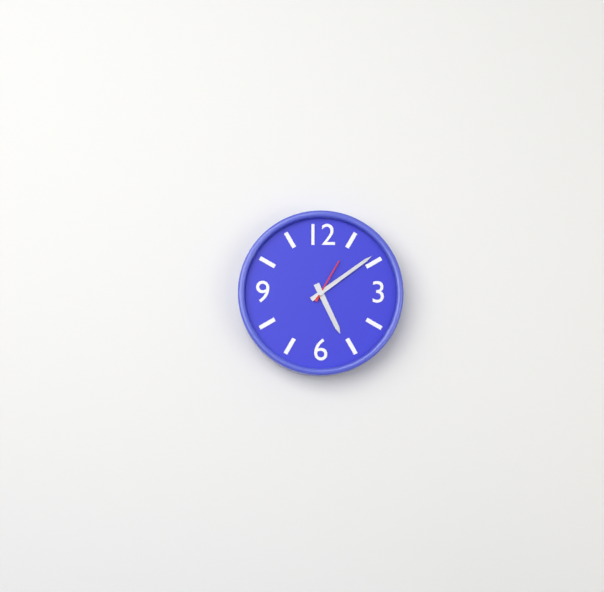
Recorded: {"hour": 5, "minute": 9}
